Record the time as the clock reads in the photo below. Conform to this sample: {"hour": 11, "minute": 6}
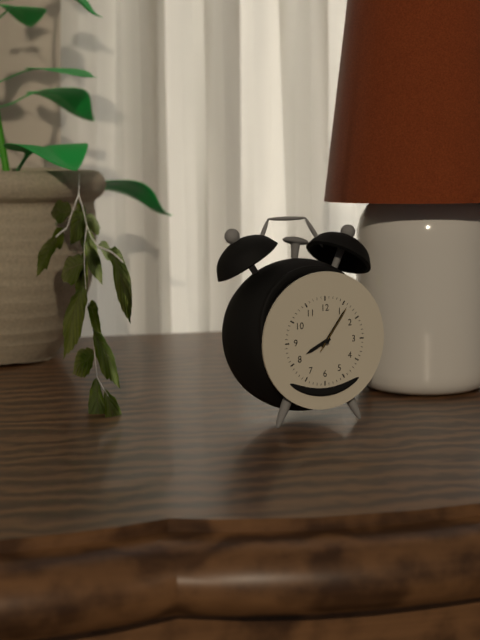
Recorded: {"hour": 8, "minute": 6}
